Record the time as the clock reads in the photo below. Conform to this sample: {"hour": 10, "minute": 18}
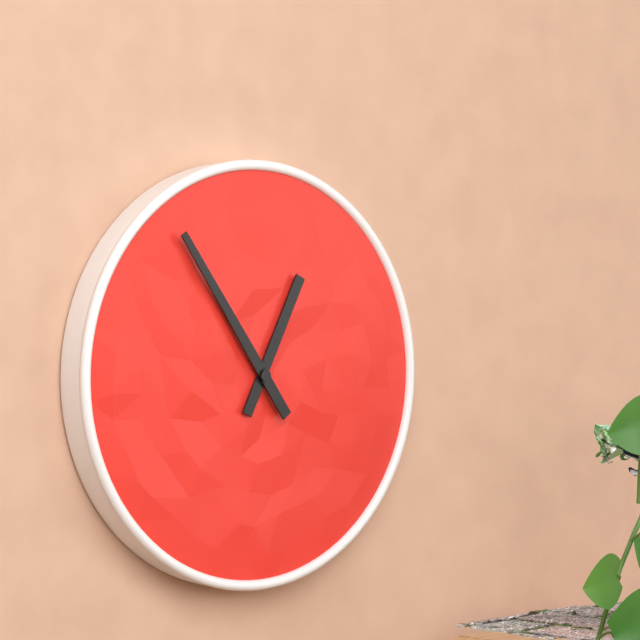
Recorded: {"hour": 12, "minute": 54}
